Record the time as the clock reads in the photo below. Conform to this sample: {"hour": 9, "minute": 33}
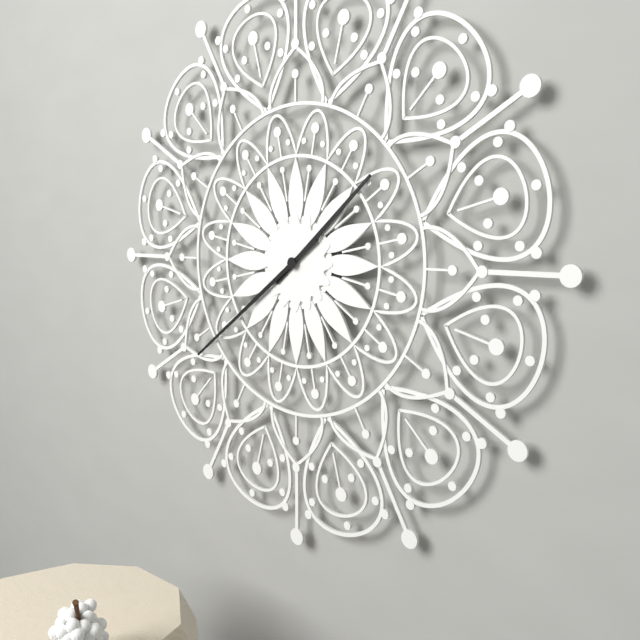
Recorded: {"hour": 1, "minute": 39}
